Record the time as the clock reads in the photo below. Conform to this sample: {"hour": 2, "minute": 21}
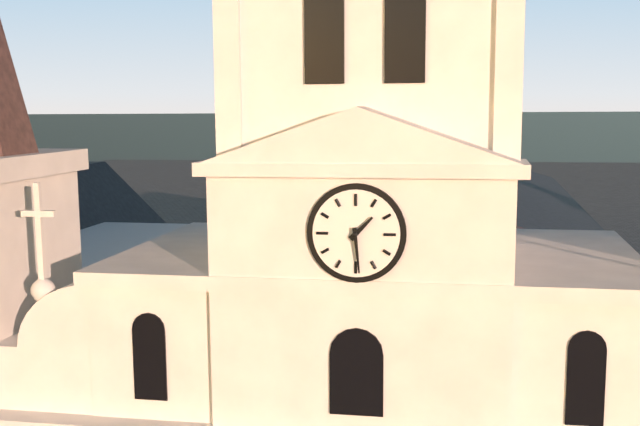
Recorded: {"hour": 1, "minute": 29}
